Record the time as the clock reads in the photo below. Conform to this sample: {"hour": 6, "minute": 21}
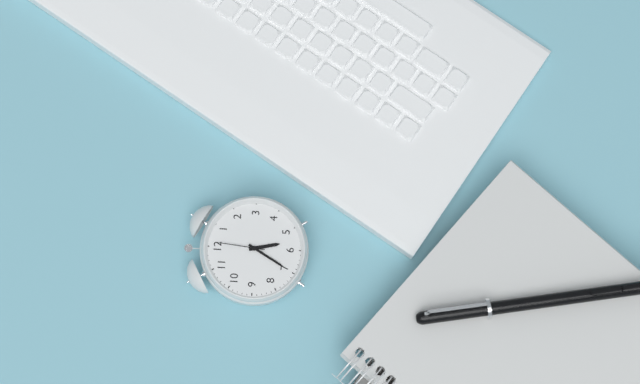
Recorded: {"hour": 5, "minute": 35}
